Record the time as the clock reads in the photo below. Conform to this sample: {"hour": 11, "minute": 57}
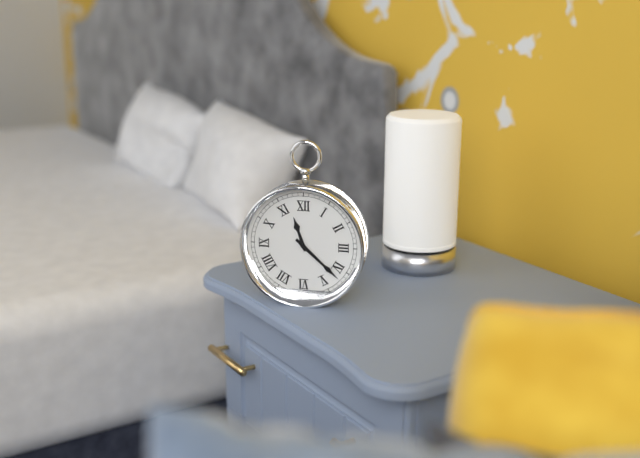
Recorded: {"hour": 11, "minute": 22}
